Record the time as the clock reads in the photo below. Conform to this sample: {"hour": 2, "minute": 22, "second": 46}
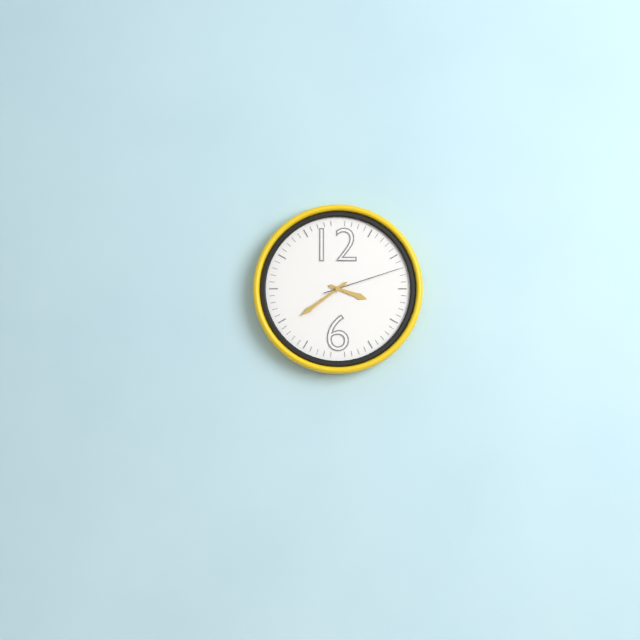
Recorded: {"hour": 3, "minute": 39, "second": 12}
